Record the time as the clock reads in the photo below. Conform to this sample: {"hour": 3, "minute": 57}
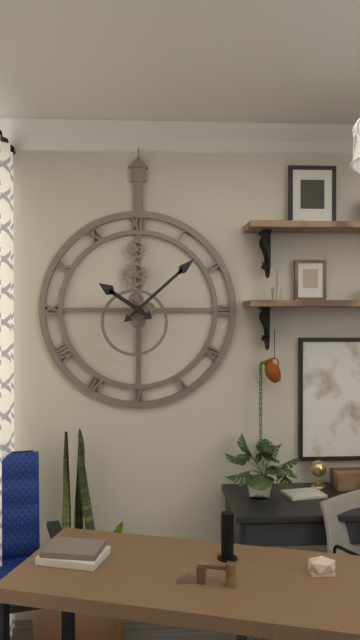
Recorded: {"hour": 10, "minute": 8}
